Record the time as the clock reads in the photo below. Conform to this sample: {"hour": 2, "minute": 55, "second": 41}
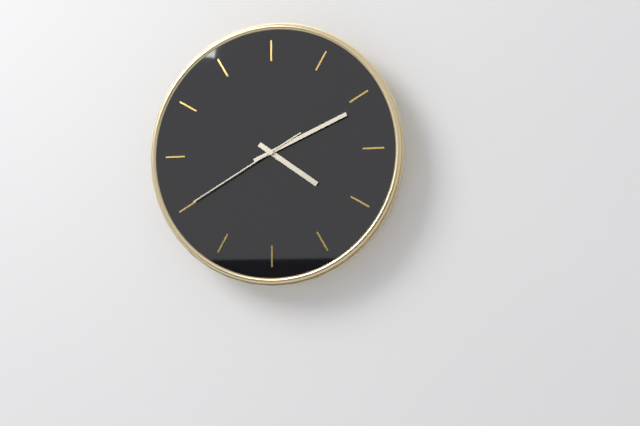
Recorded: {"hour": 4, "minute": 11, "second": 40}
